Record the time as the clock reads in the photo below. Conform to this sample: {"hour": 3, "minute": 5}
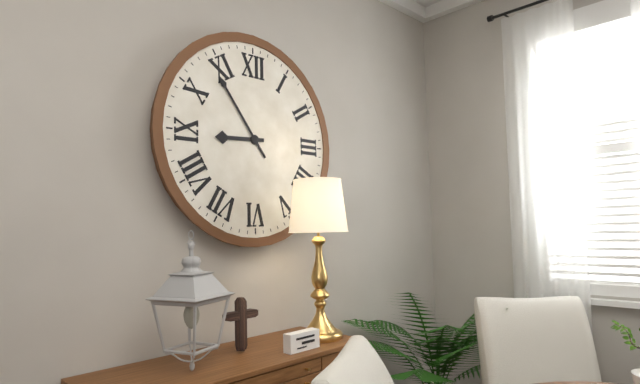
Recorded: {"hour": 8, "minute": 54}
